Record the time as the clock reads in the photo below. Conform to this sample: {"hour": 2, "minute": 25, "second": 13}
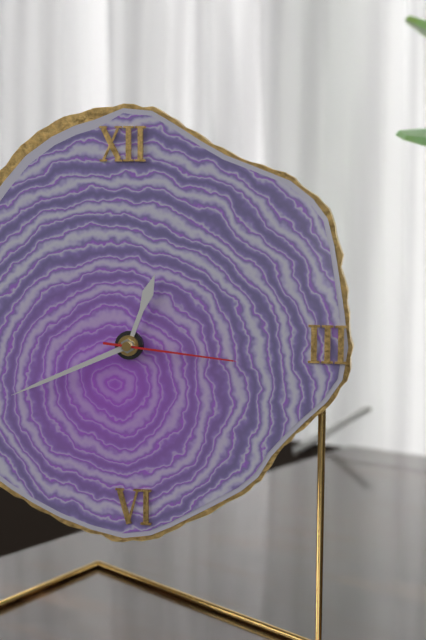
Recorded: {"hour": 12, "minute": 41, "second": 16}
